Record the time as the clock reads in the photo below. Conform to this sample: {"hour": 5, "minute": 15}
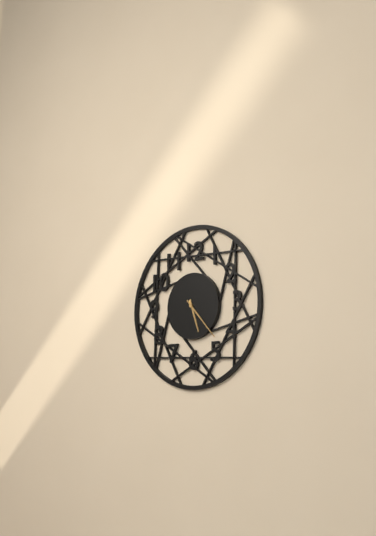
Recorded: {"hour": 5, "minute": 23}
